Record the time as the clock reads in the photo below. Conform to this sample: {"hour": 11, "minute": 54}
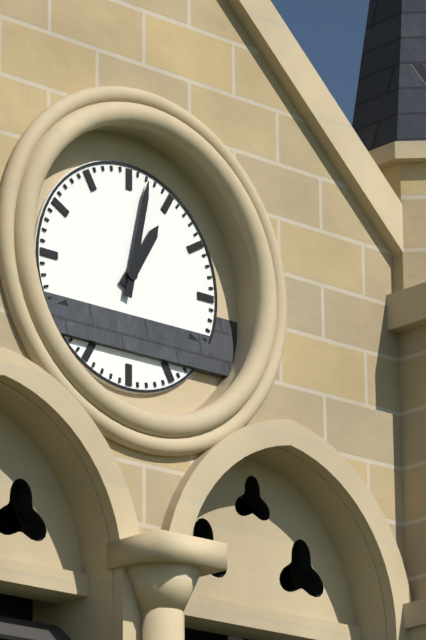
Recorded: {"hour": 1, "minute": 2}
